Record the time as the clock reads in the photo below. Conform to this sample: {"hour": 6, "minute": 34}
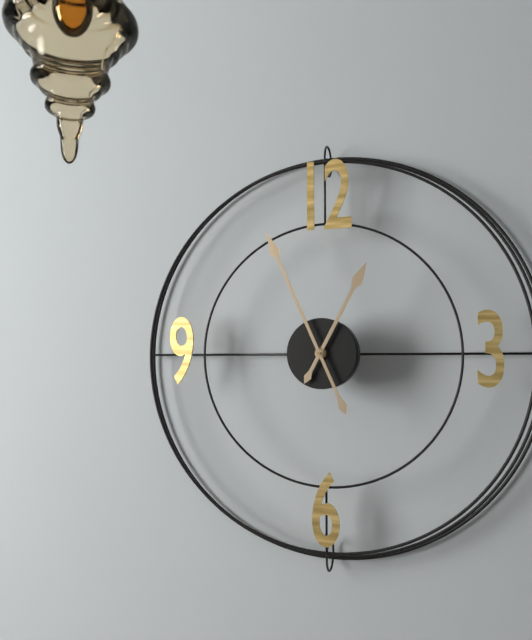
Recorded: {"hour": 12, "minute": 56}
